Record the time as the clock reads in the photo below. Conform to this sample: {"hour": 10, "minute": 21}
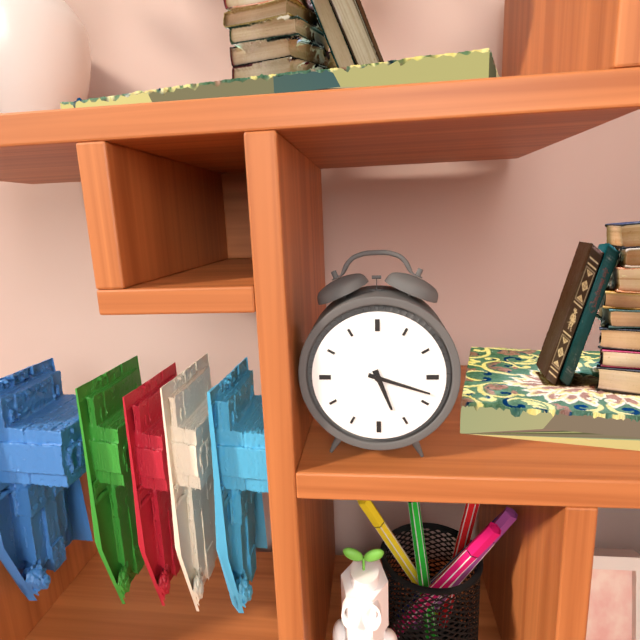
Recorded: {"hour": 5, "minute": 18}
